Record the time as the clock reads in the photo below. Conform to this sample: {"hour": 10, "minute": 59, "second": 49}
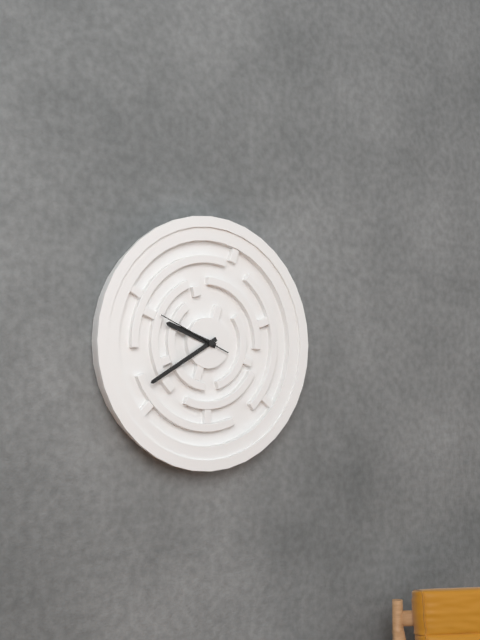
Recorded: {"hour": 9, "minute": 40, "second": 49}
